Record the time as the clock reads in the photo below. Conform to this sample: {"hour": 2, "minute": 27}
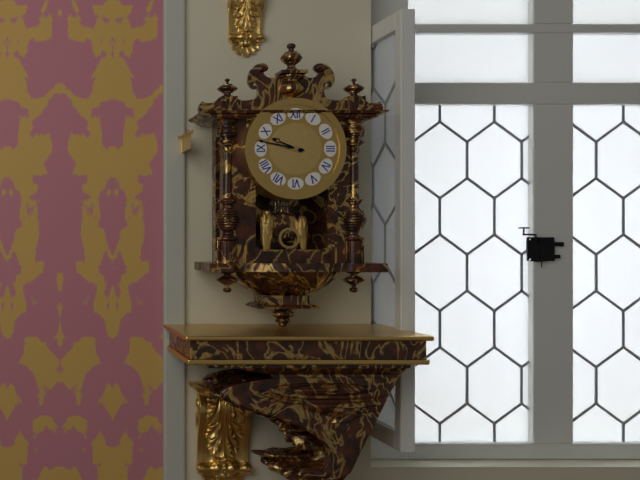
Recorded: {"hour": 9, "minute": 47}
